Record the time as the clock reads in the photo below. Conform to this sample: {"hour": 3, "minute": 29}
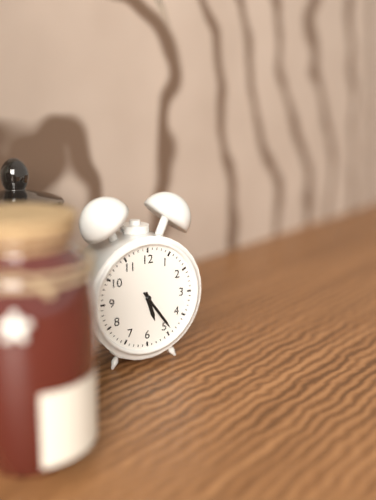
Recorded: {"hour": 5, "minute": 24}
